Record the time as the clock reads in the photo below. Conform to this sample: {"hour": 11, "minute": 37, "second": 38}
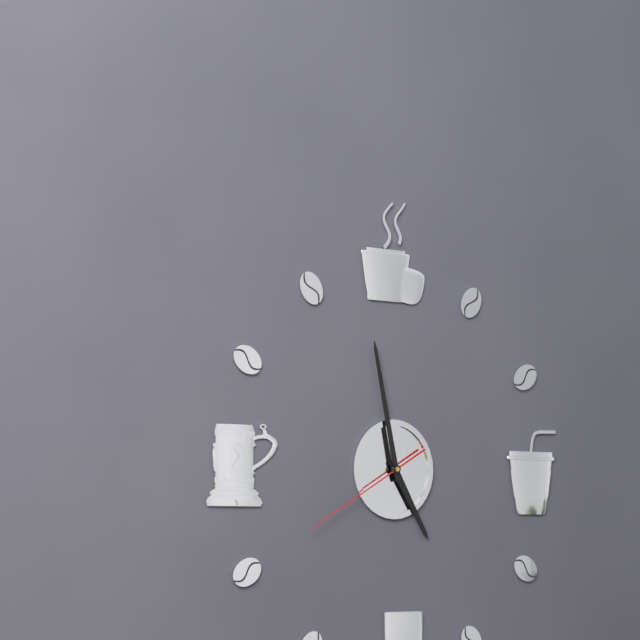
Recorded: {"hour": 4, "minute": 58, "second": 40}
